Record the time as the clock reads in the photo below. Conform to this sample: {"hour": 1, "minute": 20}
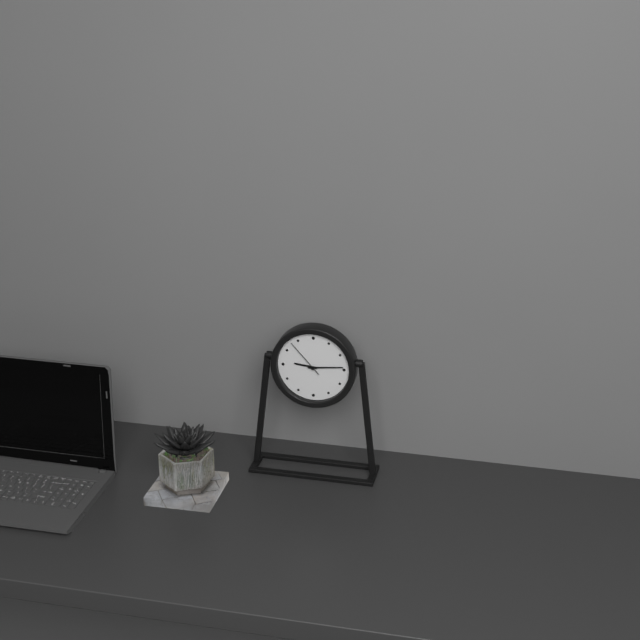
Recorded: {"hour": 9, "minute": 14}
